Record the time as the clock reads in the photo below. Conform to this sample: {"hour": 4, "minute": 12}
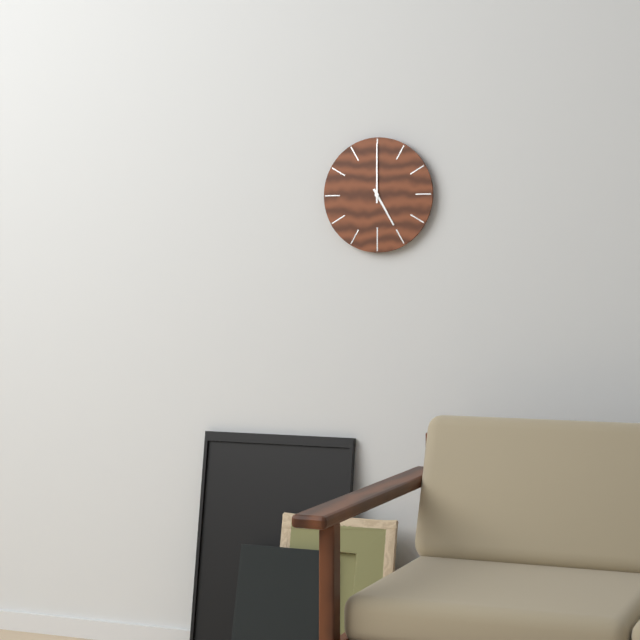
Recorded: {"hour": 5, "minute": 0}
